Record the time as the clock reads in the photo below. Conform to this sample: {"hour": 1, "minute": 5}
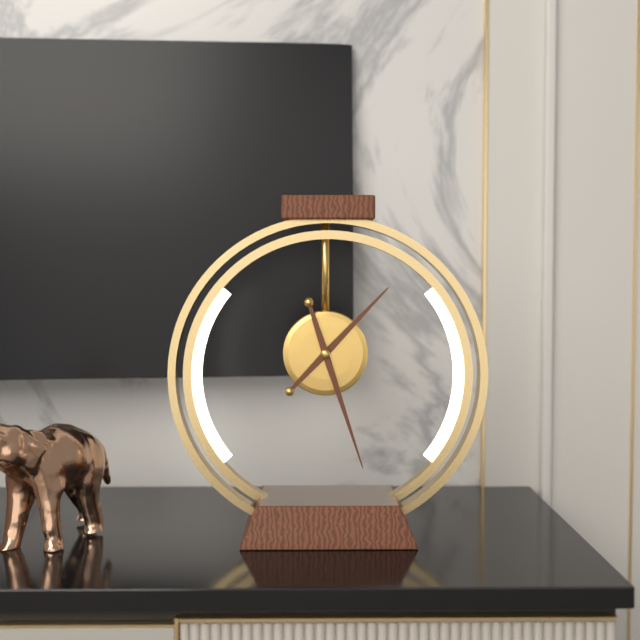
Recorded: {"hour": 1, "minute": 27}
